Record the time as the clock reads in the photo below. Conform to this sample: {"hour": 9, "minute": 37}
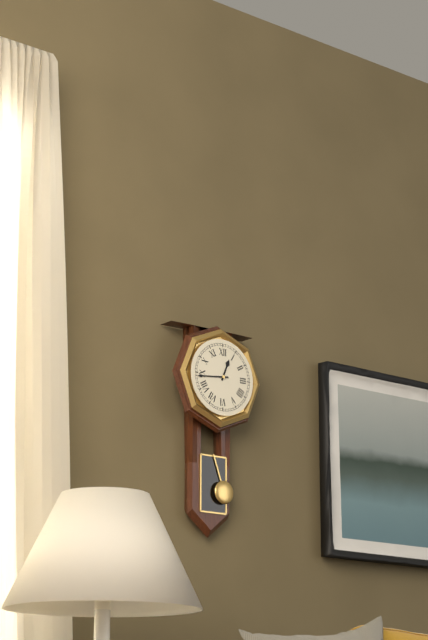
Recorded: {"hour": 12, "minute": 44}
